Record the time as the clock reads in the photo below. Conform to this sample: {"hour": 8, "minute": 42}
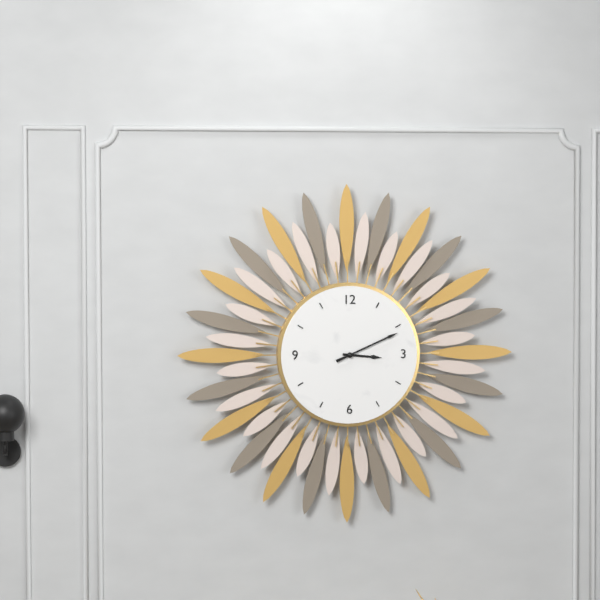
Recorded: {"hour": 3, "minute": 11}
